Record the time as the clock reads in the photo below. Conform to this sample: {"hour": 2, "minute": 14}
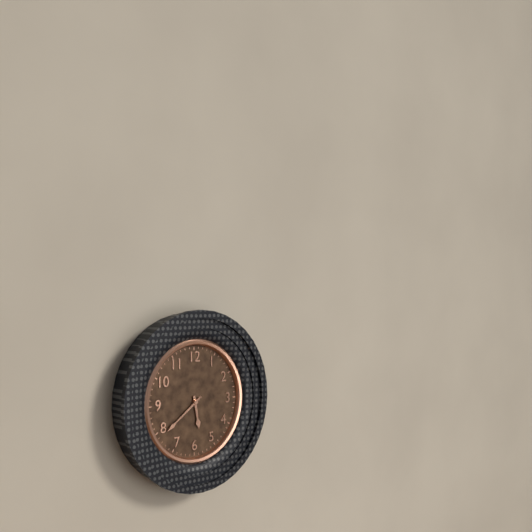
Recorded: {"hour": 5, "minute": 39}
